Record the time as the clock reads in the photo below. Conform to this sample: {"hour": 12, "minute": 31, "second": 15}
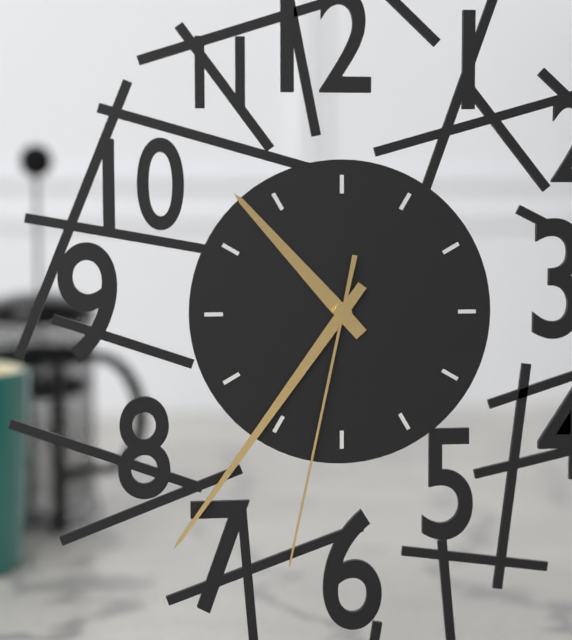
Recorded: {"hour": 10, "minute": 36, "second": 32}
